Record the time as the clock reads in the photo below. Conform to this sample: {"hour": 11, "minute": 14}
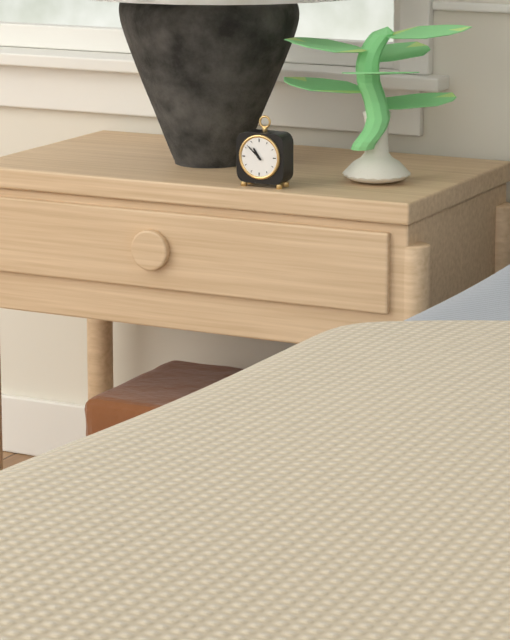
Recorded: {"hour": 10, "minute": 52}
